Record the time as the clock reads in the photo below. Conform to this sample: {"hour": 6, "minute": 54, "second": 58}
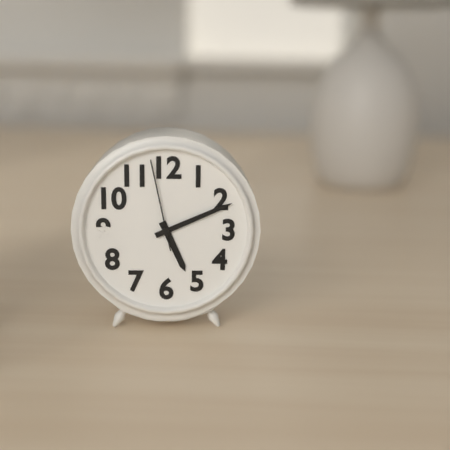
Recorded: {"hour": 5, "minute": 11, "second": 58}
